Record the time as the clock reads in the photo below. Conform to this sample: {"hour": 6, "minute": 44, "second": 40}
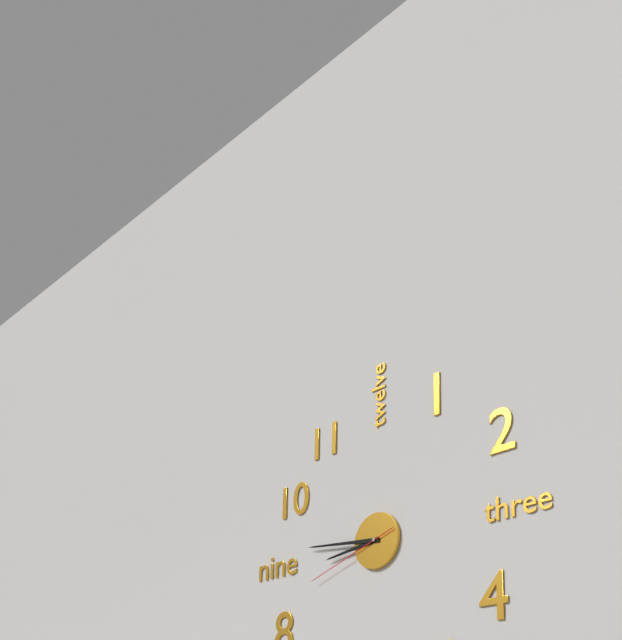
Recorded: {"hour": 8, "minute": 46, "second": 42}
